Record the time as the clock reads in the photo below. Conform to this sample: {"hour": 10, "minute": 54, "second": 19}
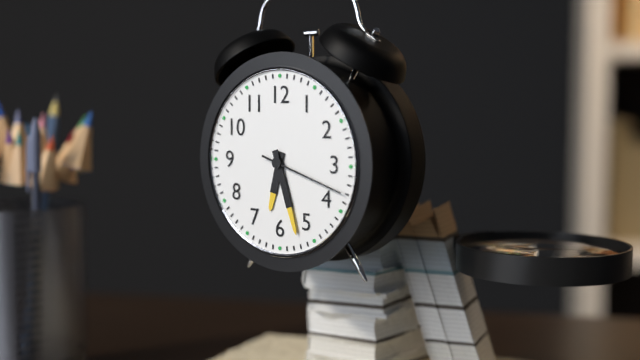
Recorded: {"hour": 6, "minute": 27, "second": 18}
